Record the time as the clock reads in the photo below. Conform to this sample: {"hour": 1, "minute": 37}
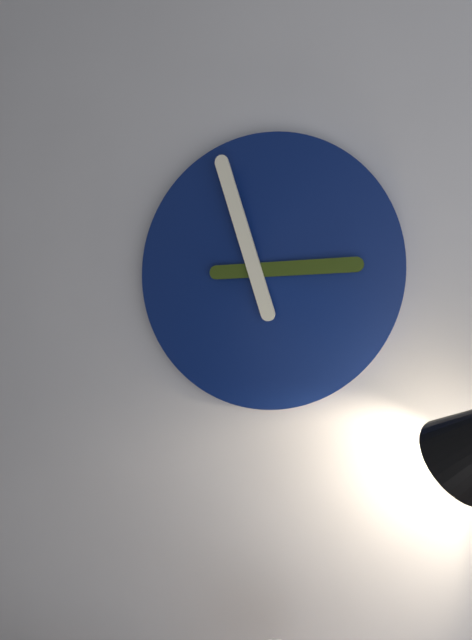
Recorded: {"hour": 2, "minute": 57}
